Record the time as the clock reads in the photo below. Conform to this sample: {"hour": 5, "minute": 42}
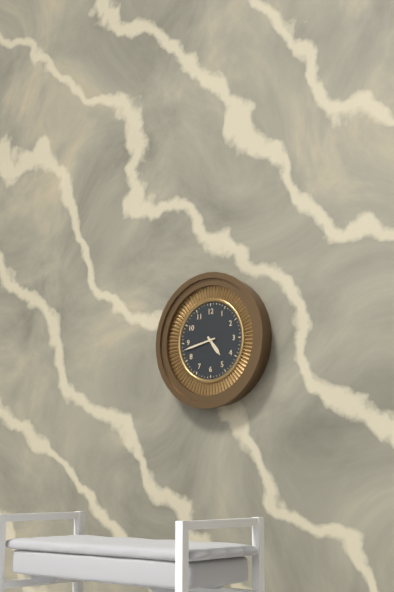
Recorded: {"hour": 4, "minute": 43}
